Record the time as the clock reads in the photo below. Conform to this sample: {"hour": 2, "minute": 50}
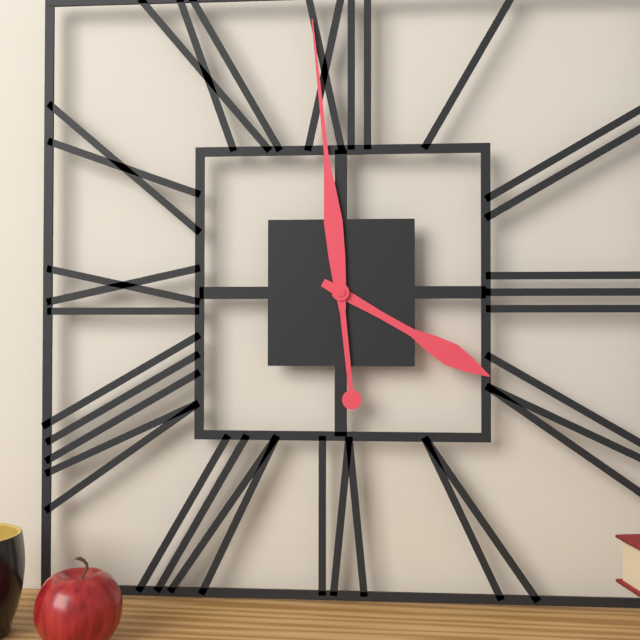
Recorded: {"hour": 3, "minute": 59}
